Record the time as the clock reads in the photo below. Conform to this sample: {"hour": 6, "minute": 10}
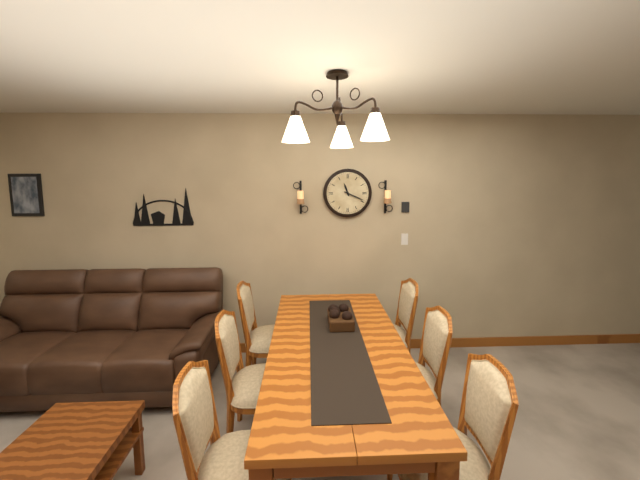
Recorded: {"hour": 11, "minute": 19}
